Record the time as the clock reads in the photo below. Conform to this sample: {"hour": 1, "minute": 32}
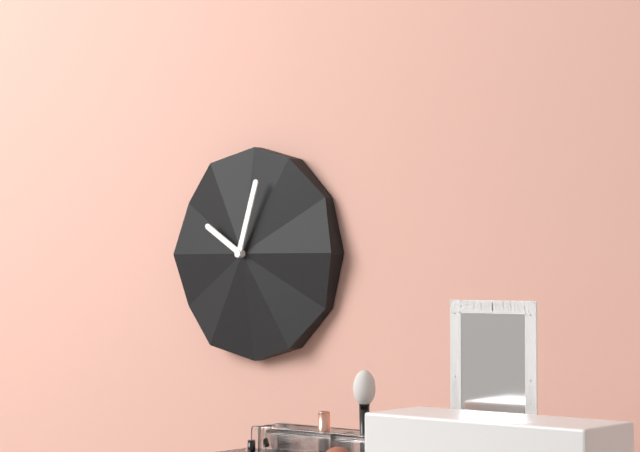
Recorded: {"hour": 10, "minute": 3}
